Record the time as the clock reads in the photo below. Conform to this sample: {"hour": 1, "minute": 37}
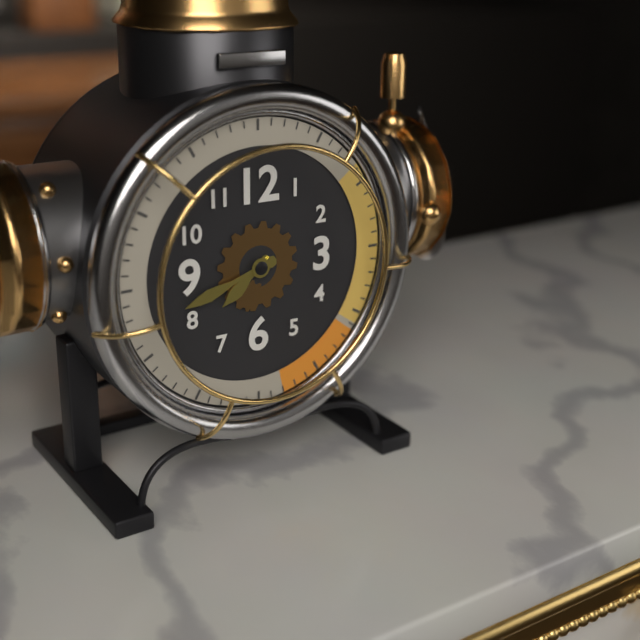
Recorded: {"hour": 7, "minute": 42}
